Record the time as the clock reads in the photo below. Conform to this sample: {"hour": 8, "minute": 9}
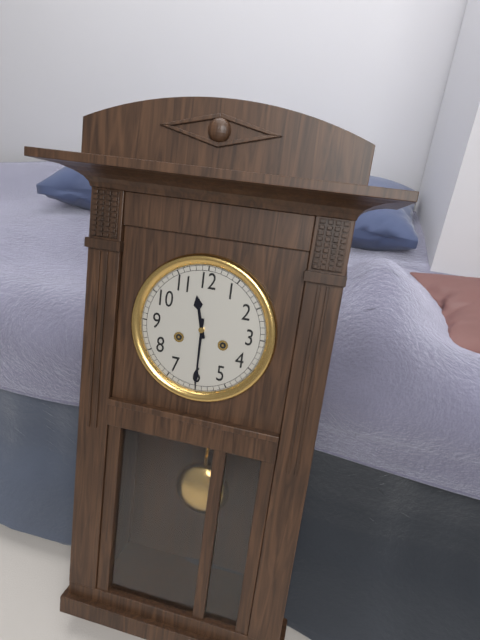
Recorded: {"hour": 11, "minute": 30}
